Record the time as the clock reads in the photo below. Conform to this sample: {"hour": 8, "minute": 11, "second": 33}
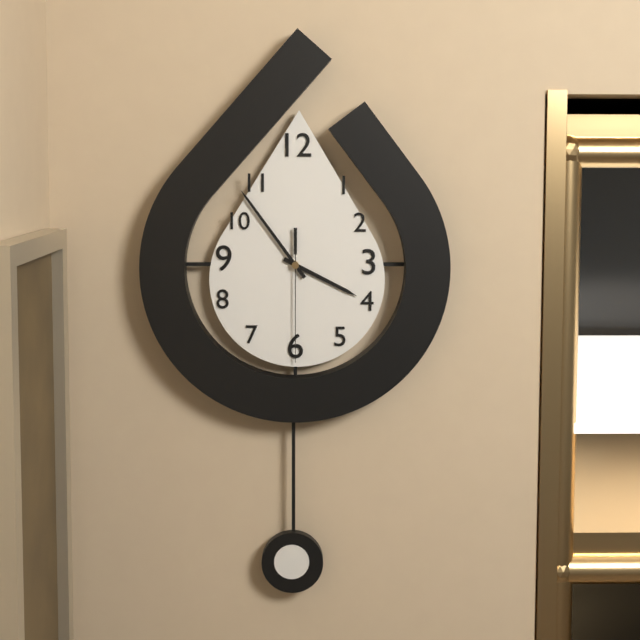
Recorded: {"hour": 3, "minute": 54, "second": 30}
